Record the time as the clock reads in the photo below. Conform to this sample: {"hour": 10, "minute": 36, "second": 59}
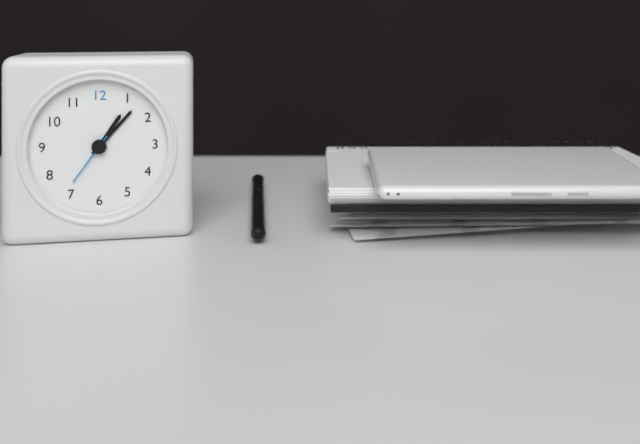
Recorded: {"hour": 1, "minute": 7, "second": 36}
